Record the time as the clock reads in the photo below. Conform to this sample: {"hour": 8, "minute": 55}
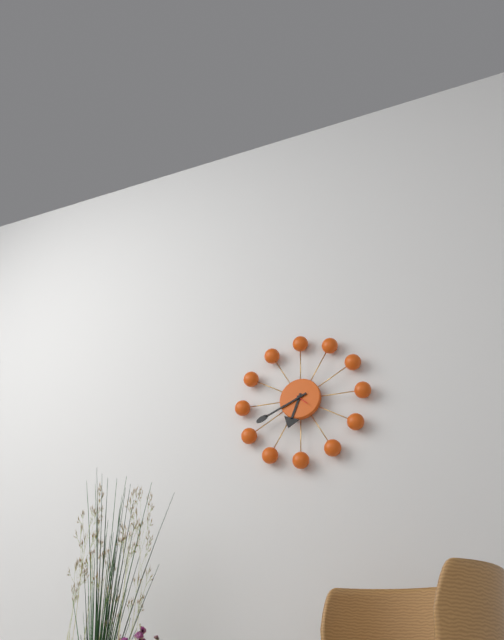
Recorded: {"hour": 6, "minute": 41}
